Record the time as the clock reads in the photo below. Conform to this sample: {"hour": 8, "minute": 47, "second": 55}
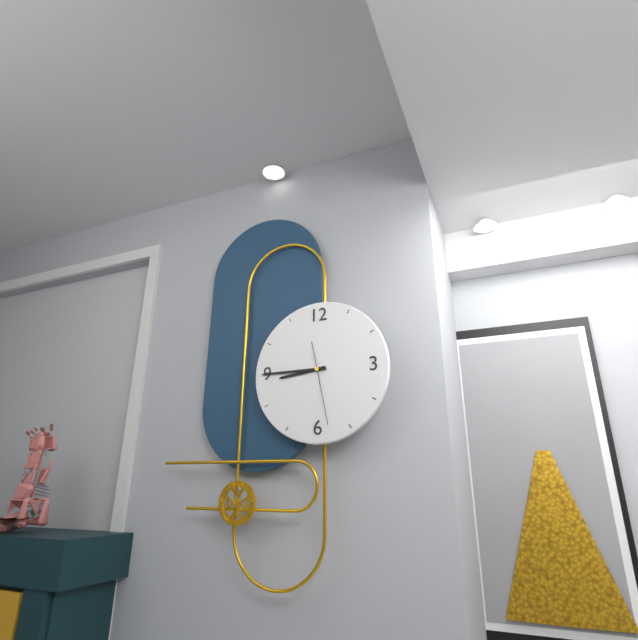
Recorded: {"hour": 8, "minute": 45, "second": 28}
